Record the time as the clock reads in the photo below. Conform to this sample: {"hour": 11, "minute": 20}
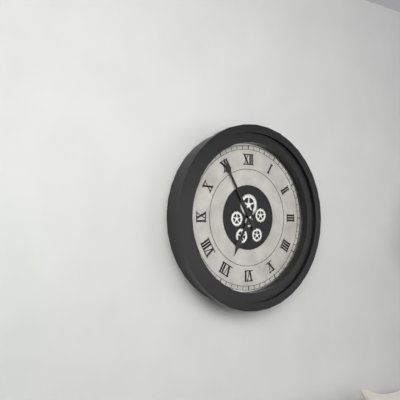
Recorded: {"hour": 6, "minute": 55}
